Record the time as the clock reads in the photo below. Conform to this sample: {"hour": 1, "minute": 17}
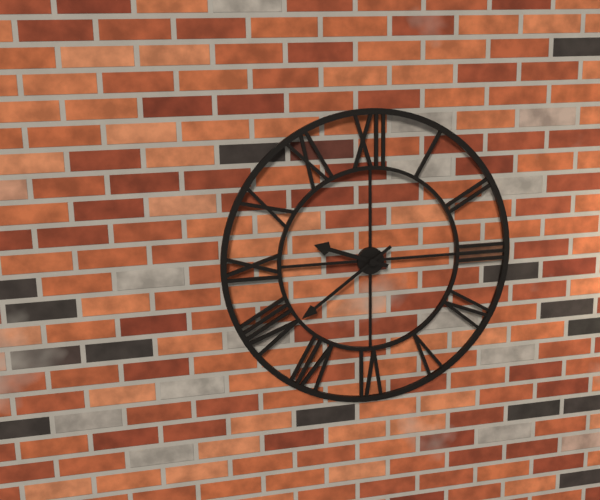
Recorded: {"hour": 9, "minute": 39}
